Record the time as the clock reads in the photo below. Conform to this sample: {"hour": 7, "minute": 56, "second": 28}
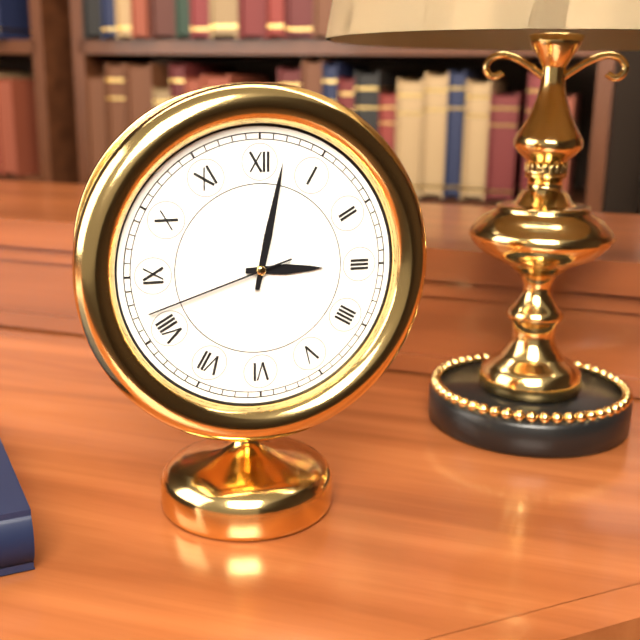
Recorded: {"hour": 3, "minute": 2, "second": 42}
